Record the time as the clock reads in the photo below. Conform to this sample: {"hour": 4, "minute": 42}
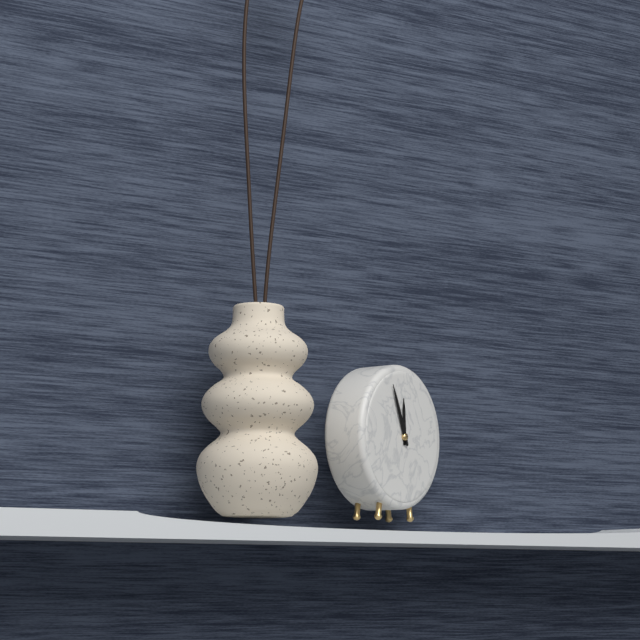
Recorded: {"hour": 11, "minute": 56}
